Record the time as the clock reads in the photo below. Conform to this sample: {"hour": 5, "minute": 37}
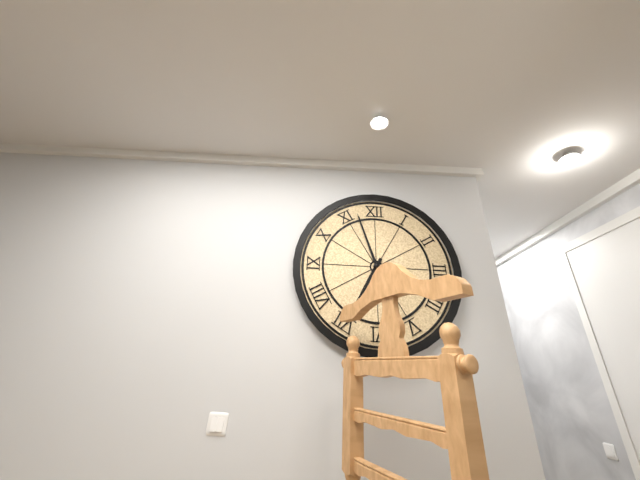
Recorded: {"hour": 6, "minute": 57}
